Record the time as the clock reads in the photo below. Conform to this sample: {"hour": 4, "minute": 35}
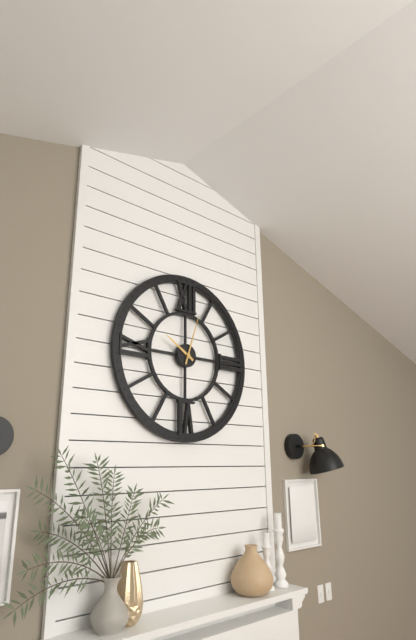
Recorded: {"hour": 10, "minute": 3}
